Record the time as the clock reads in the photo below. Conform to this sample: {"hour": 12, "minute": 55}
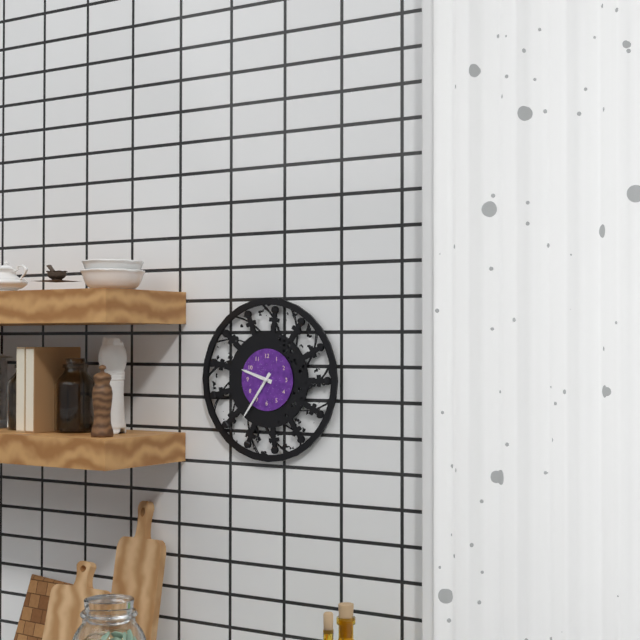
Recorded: {"hour": 9, "minute": 36}
